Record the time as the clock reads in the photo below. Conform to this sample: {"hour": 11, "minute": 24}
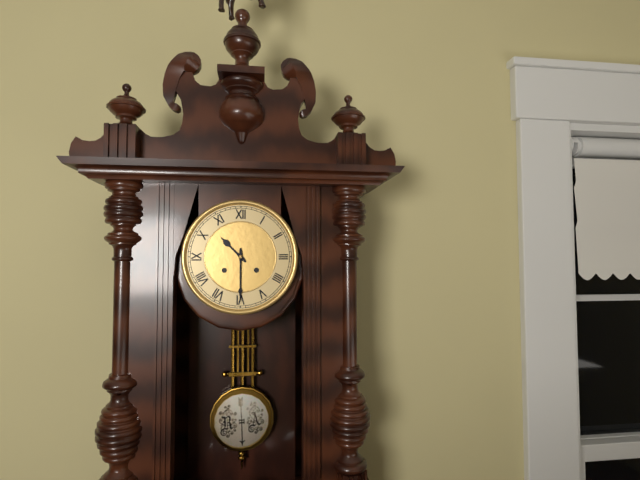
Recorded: {"hour": 10, "minute": 30}
